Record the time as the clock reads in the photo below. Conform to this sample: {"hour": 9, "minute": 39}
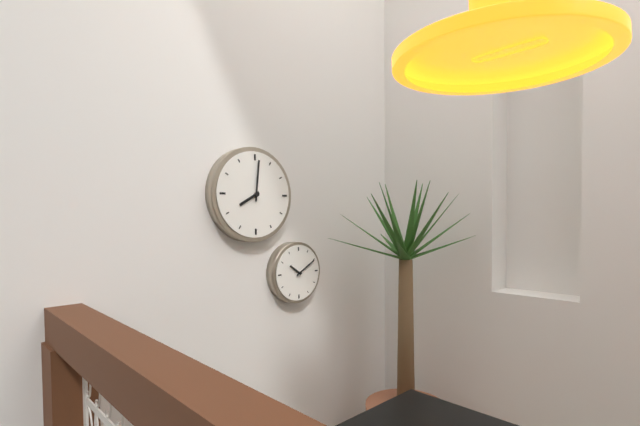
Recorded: {"hour": 8, "minute": 1}
